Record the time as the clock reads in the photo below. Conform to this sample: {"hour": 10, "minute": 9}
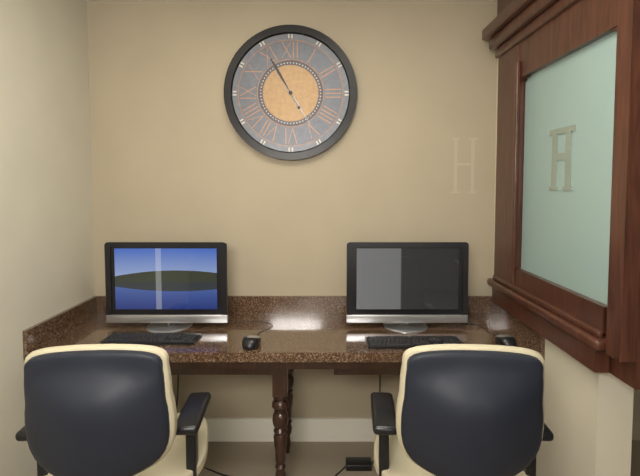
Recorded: {"hour": 4, "minute": 55}
